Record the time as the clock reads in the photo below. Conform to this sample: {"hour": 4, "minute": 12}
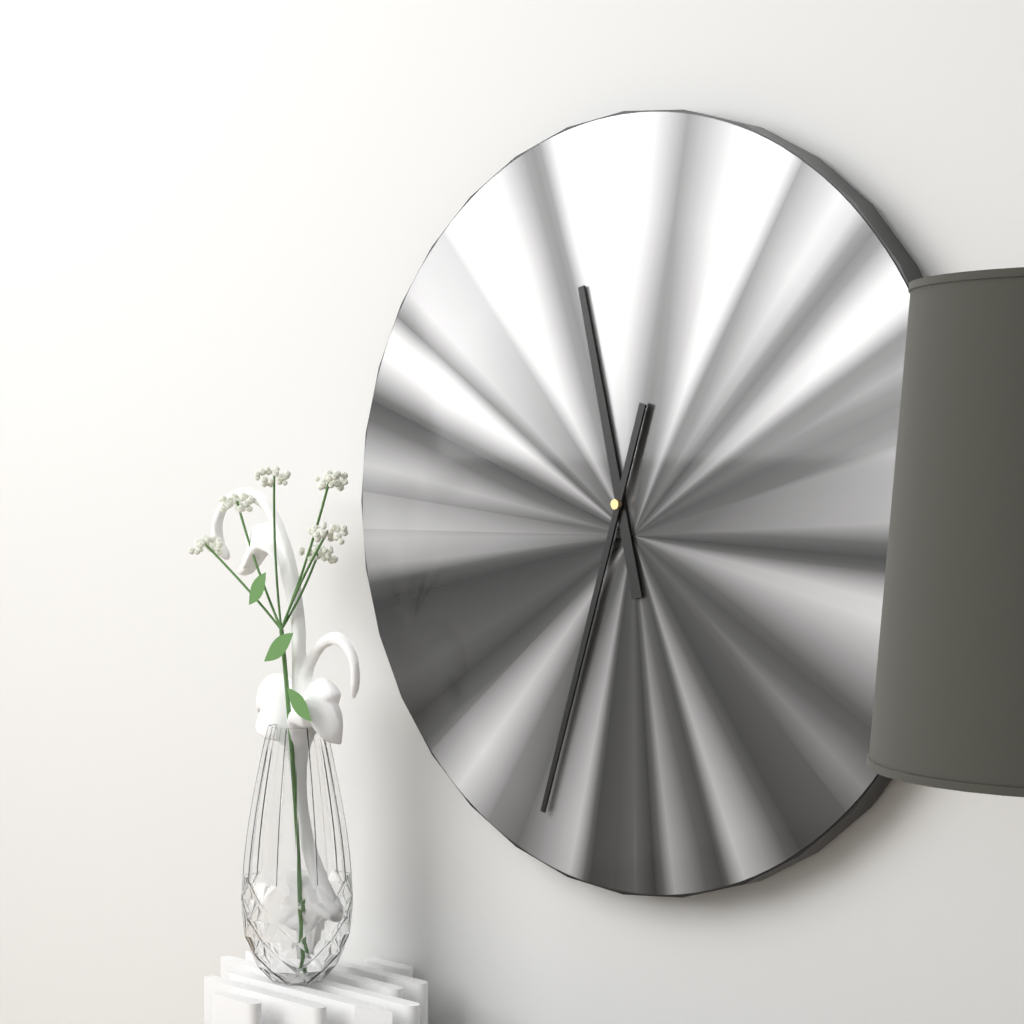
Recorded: {"hour": 11, "minute": 33}
